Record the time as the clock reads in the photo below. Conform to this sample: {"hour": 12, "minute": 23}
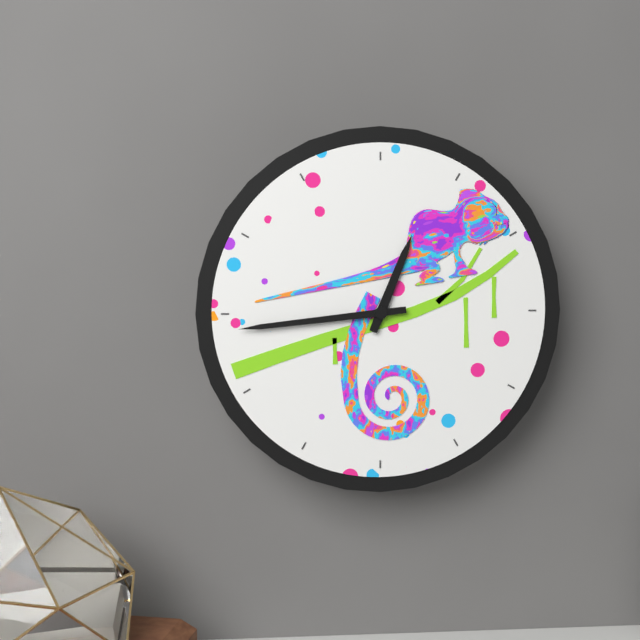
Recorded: {"hour": 12, "minute": 44}
